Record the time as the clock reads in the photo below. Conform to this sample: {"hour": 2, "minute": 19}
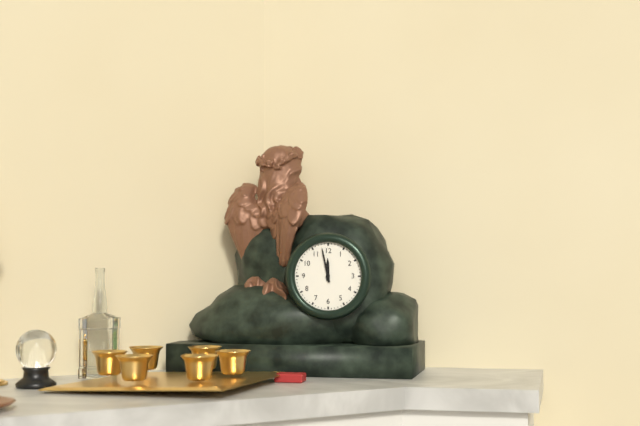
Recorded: {"hour": 11, "minute": 58}
